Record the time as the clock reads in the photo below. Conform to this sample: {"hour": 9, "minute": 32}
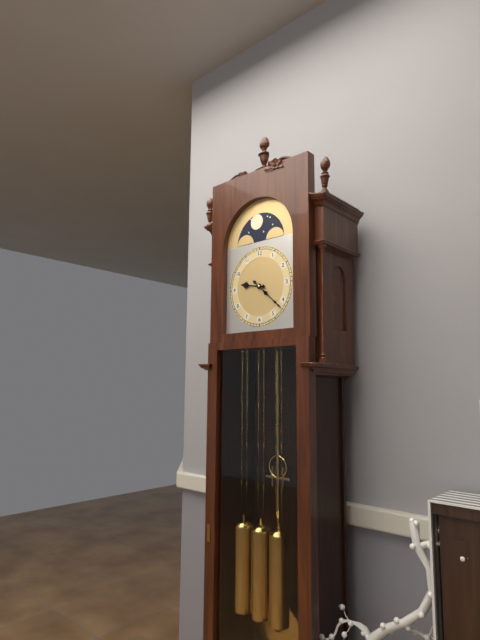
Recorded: {"hour": 9, "minute": 22}
